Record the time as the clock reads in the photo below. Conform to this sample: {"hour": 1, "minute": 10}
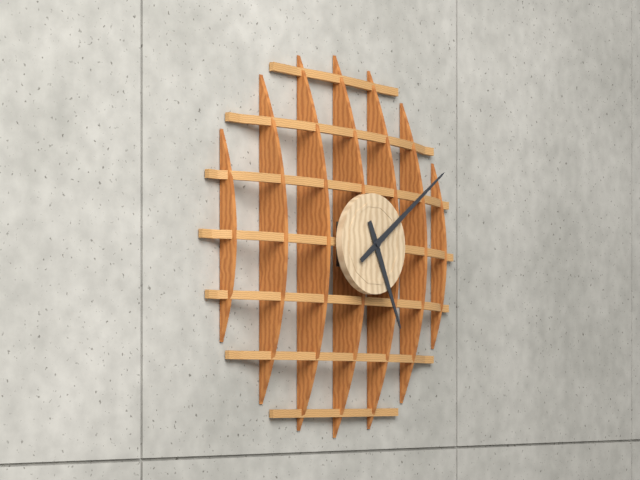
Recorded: {"hour": 5, "minute": 9}
